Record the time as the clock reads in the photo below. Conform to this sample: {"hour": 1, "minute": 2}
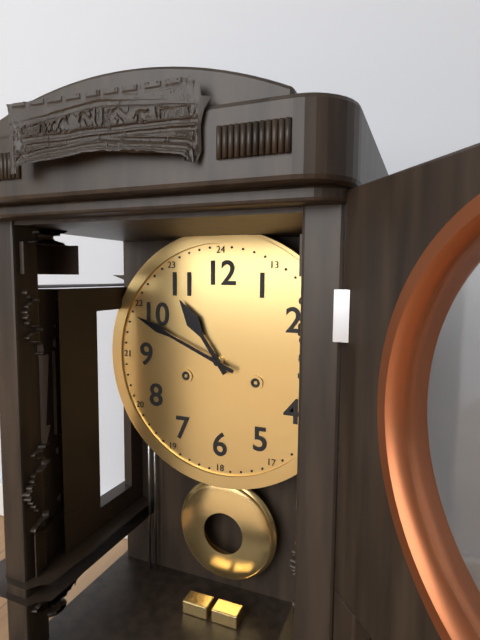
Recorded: {"hour": 10, "minute": 49}
